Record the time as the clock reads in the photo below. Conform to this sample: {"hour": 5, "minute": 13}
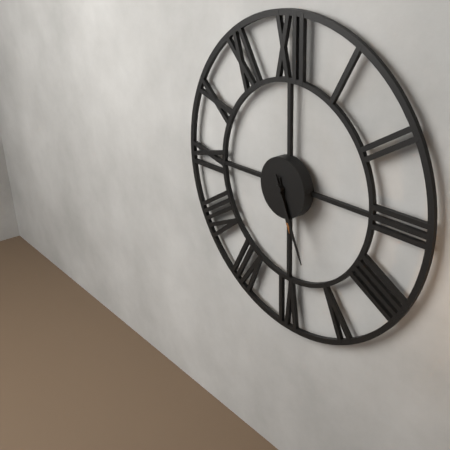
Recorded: {"hour": 5, "minute": 26}
